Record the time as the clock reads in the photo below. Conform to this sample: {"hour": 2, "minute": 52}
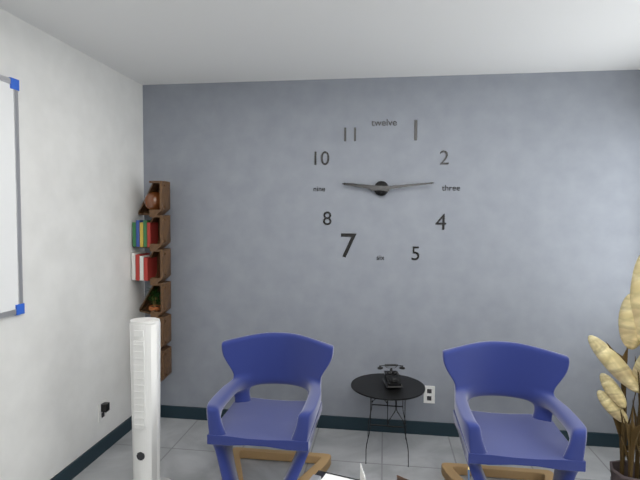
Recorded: {"hour": 9, "minute": 14}
